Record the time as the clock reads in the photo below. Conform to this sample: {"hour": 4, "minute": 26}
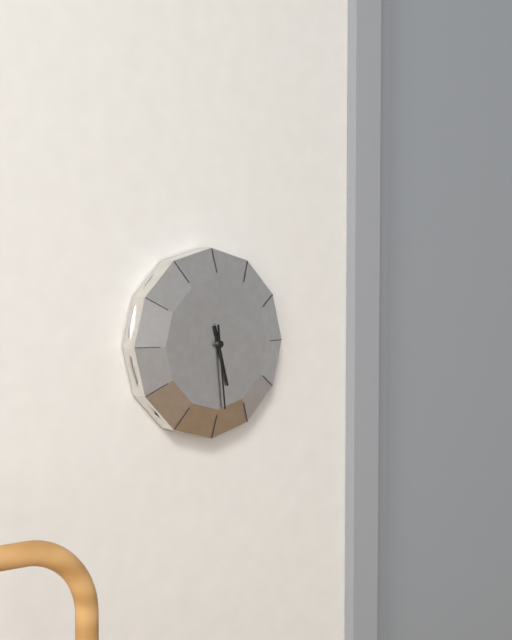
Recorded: {"hour": 5, "minute": 29}
